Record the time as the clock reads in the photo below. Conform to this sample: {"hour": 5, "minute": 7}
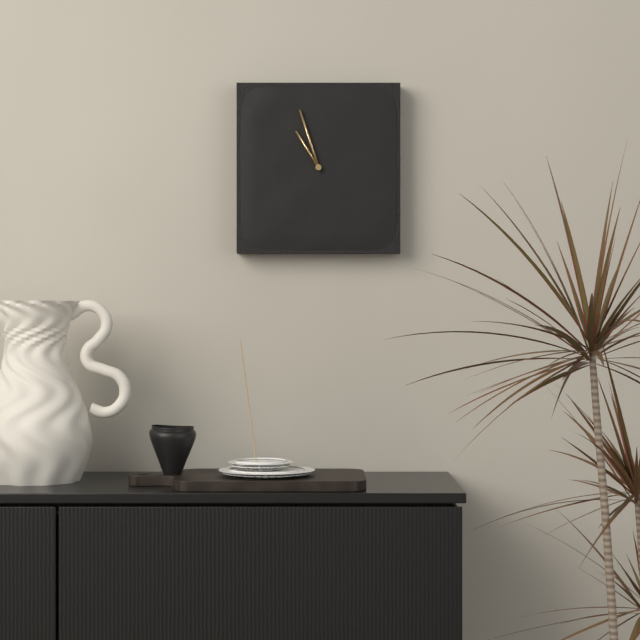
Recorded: {"hour": 10, "minute": 57}
